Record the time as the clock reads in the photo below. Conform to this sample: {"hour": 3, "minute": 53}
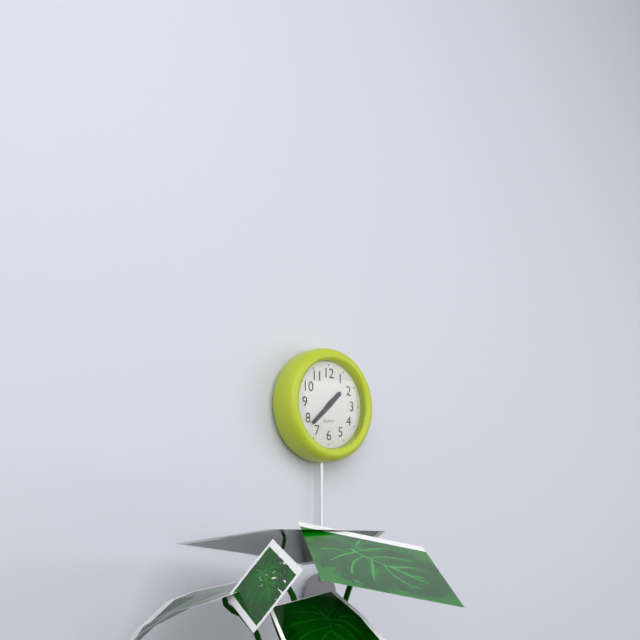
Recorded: {"hour": 1, "minute": 38}
